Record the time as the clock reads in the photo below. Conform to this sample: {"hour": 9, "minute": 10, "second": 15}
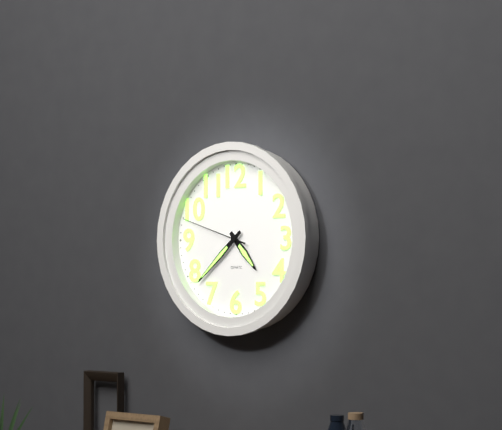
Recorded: {"hour": 4, "minute": 38, "second": 48}
